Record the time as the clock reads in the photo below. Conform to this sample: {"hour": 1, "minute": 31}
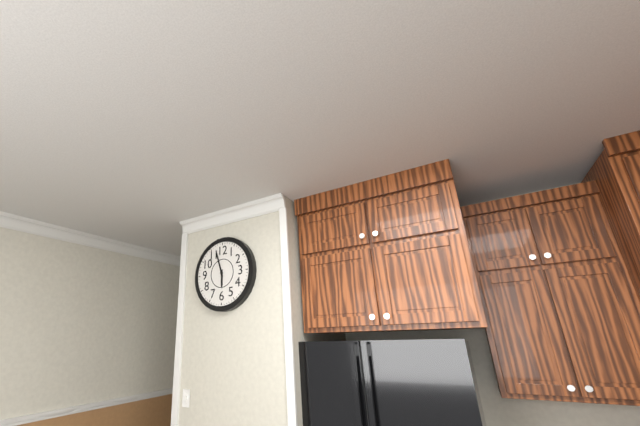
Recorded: {"hour": 5, "minute": 57}
